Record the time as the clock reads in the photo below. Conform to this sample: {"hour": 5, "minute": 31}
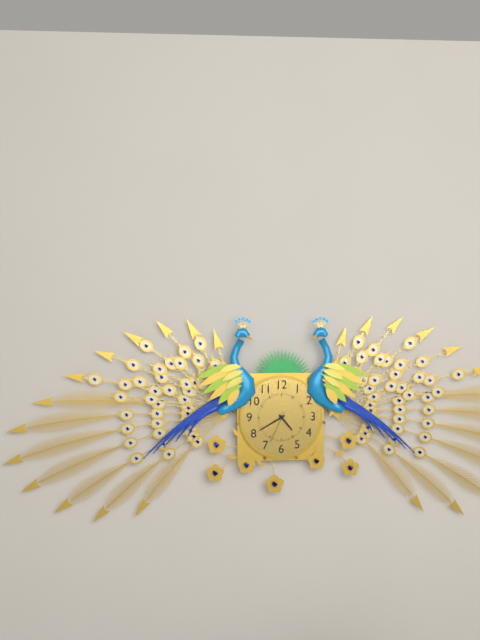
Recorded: {"hour": 4, "minute": 40}
